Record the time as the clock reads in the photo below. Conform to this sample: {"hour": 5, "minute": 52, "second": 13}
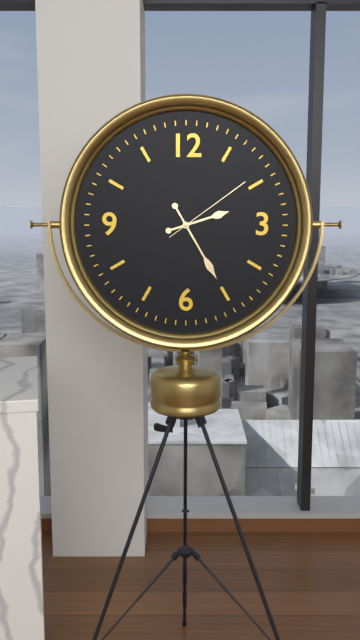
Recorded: {"hour": 2, "minute": 25, "second": 9}
